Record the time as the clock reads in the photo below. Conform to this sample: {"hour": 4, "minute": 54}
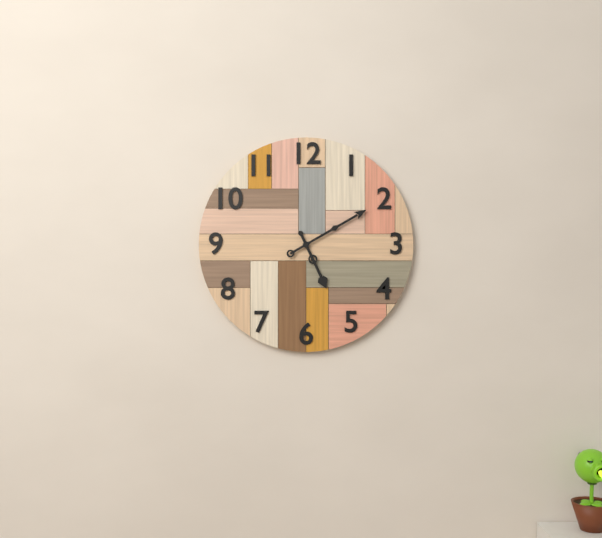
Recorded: {"hour": 5, "minute": 10}
